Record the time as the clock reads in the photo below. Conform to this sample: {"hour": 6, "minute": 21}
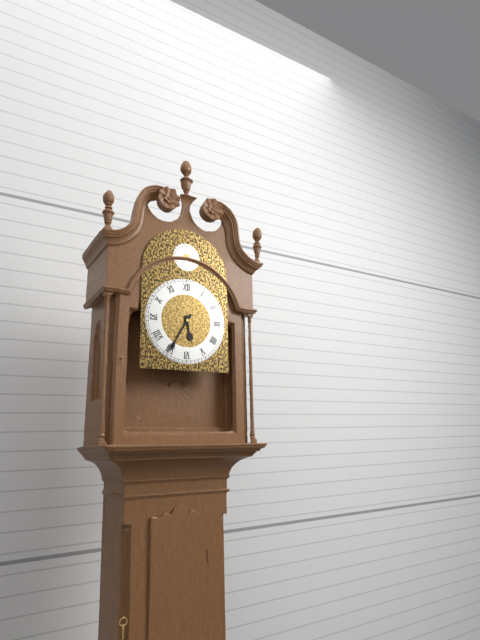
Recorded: {"hour": 5, "minute": 35}
